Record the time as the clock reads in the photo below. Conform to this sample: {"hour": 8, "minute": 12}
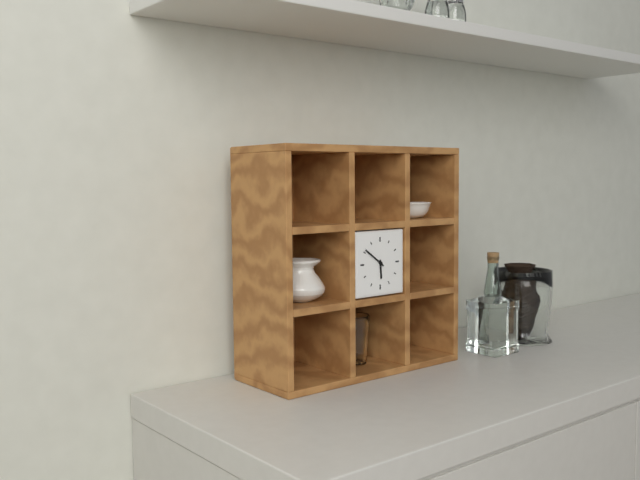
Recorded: {"hour": 5, "minute": 51}
